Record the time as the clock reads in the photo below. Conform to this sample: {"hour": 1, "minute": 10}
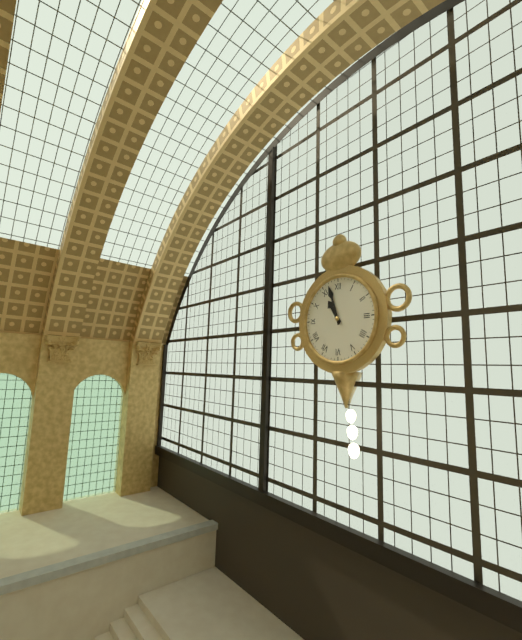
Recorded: {"hour": 10, "minute": 57}
